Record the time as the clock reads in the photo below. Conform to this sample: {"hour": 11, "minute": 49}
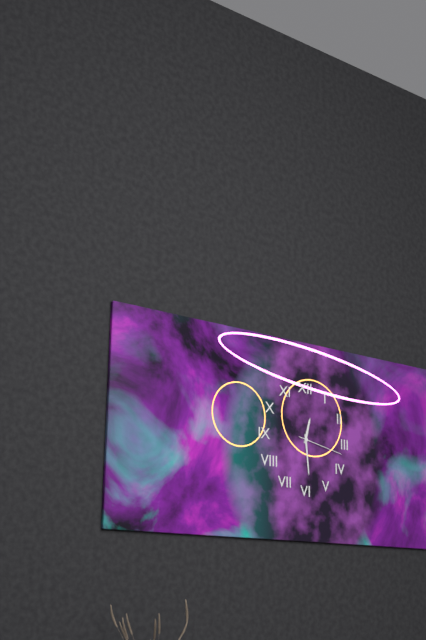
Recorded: {"hour": 12, "minute": 29}
